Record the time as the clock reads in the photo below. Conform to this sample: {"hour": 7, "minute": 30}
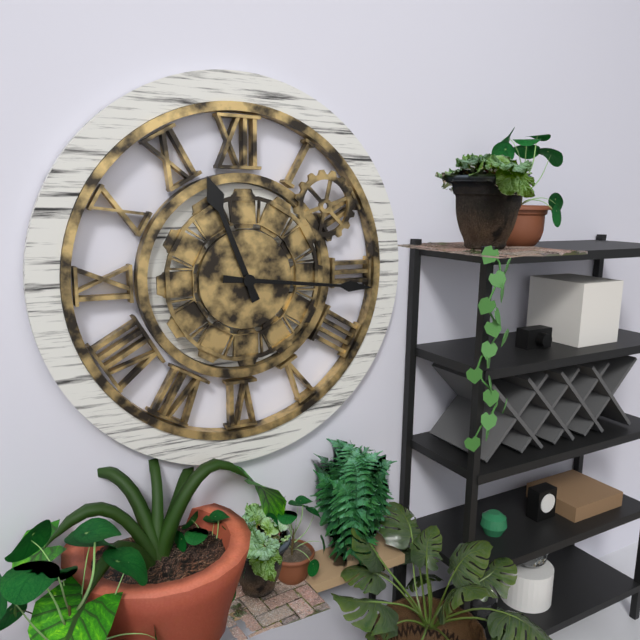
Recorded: {"hour": 11, "minute": 16}
